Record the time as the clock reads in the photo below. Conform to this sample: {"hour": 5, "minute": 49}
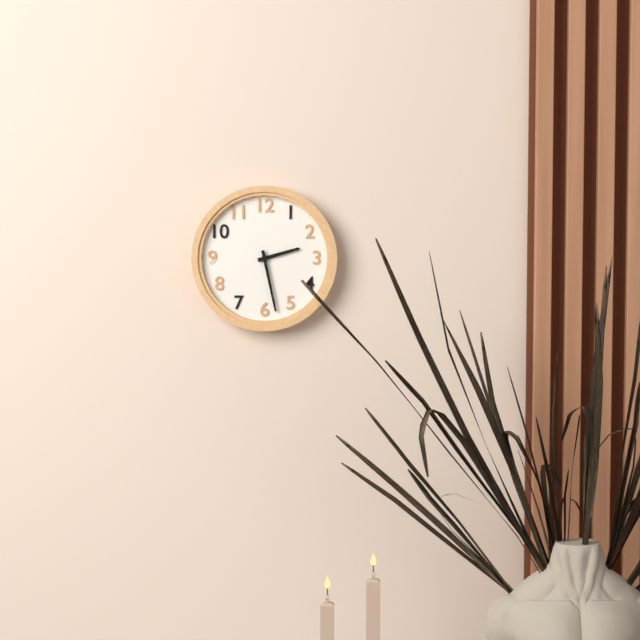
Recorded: {"hour": 2, "minute": 28}
